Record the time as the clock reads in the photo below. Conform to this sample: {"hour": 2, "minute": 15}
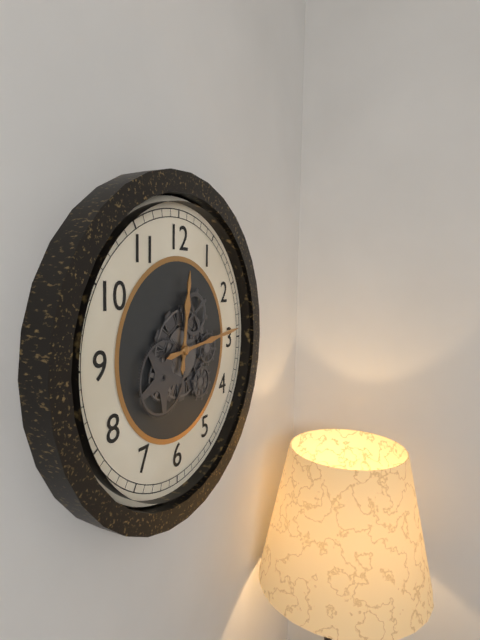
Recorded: {"hour": 12, "minute": 14}
